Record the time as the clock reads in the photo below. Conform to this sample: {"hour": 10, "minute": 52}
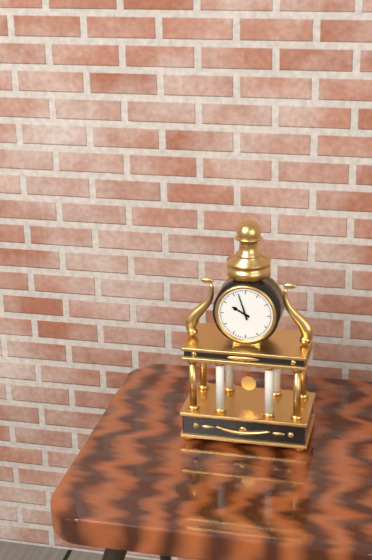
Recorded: {"hour": 9, "minute": 57}
